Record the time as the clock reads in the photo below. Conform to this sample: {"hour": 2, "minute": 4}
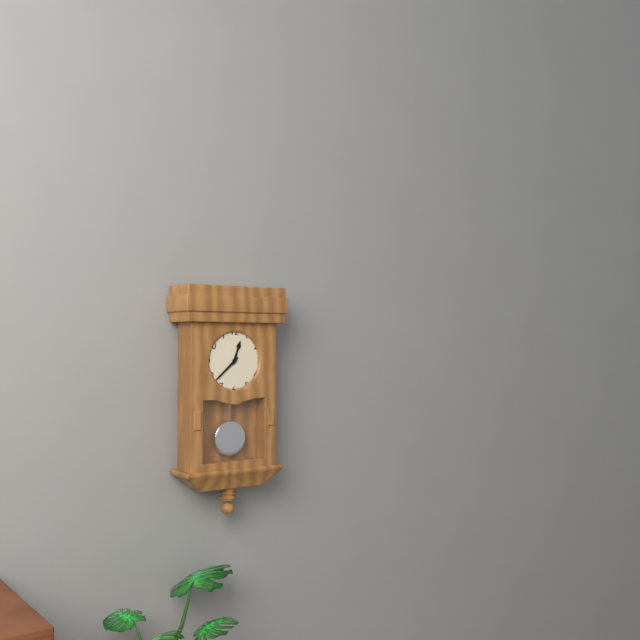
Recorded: {"hour": 12, "minute": 38}
